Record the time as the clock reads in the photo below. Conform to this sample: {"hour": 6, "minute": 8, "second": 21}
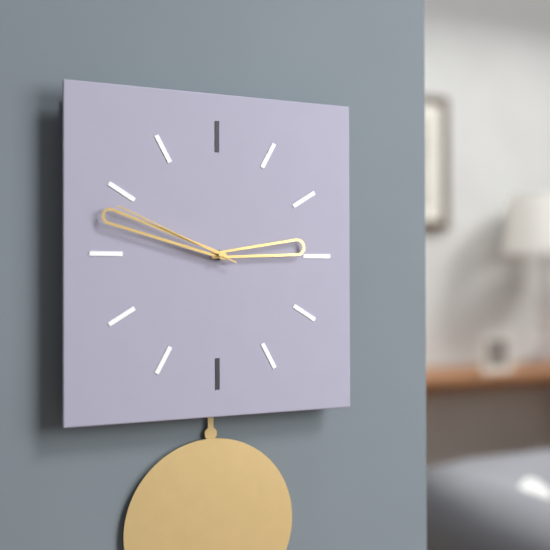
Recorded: {"hour": 2, "minute": 48, "second": 49}
